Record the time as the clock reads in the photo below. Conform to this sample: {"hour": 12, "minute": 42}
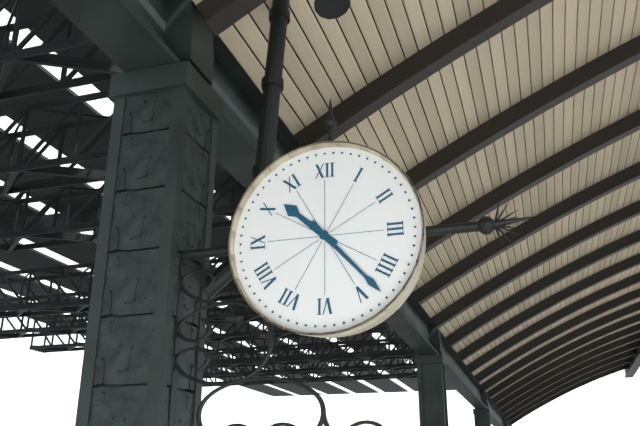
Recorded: {"hour": 10, "minute": 23}
